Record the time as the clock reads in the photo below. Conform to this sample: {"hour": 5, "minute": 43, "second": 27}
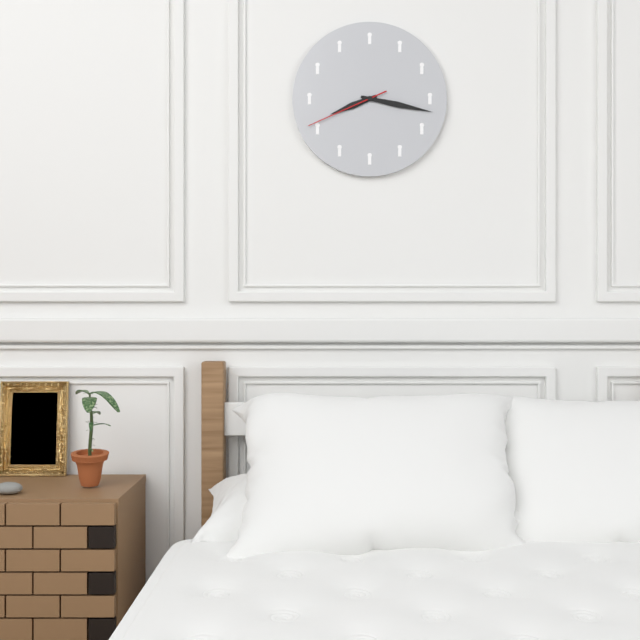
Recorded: {"hour": 8, "minute": 17, "second": 41}
